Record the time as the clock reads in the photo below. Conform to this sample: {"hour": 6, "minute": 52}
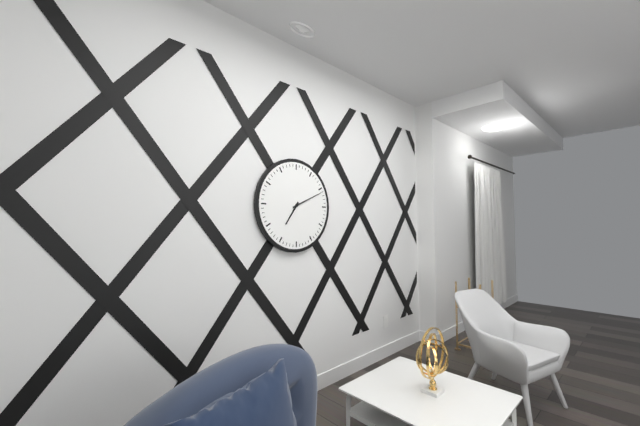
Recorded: {"hour": 7, "minute": 11}
